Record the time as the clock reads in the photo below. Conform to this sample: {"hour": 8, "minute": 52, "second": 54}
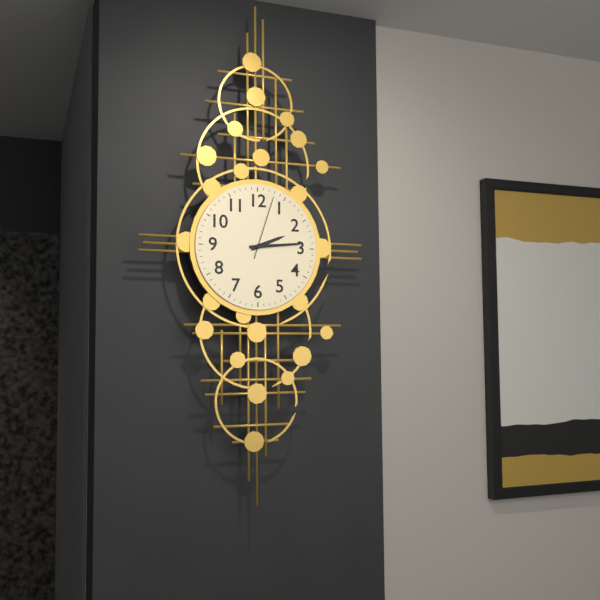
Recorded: {"hour": 2, "minute": 14, "second": 3}
